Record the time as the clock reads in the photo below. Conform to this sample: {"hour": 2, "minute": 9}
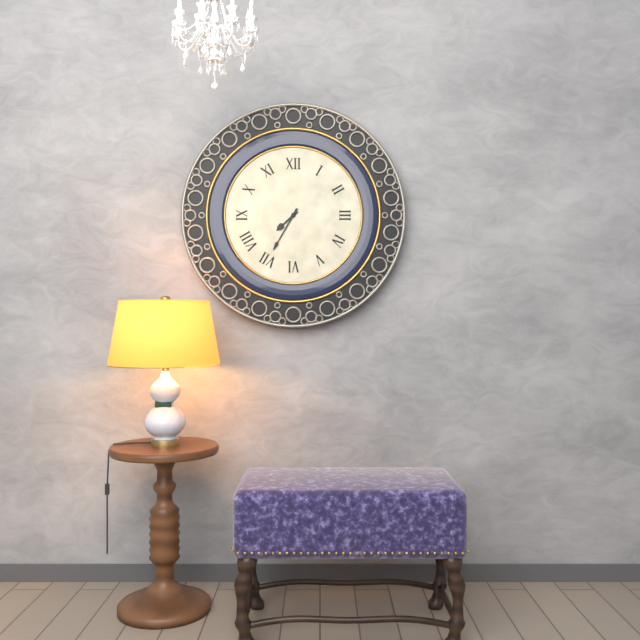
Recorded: {"hour": 7, "minute": 35}
